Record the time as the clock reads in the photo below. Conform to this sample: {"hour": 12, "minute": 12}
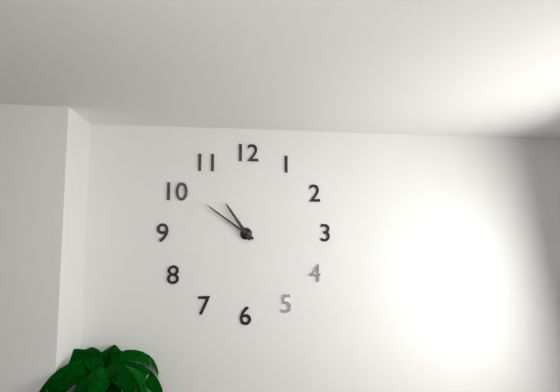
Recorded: {"hour": 10, "minute": 51}
